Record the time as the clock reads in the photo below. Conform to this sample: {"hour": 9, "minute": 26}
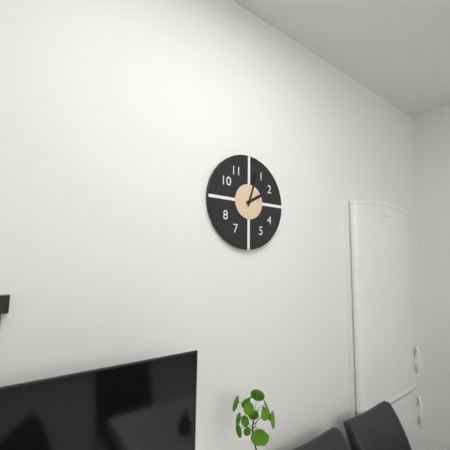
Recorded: {"hour": 2, "minute": 3}
